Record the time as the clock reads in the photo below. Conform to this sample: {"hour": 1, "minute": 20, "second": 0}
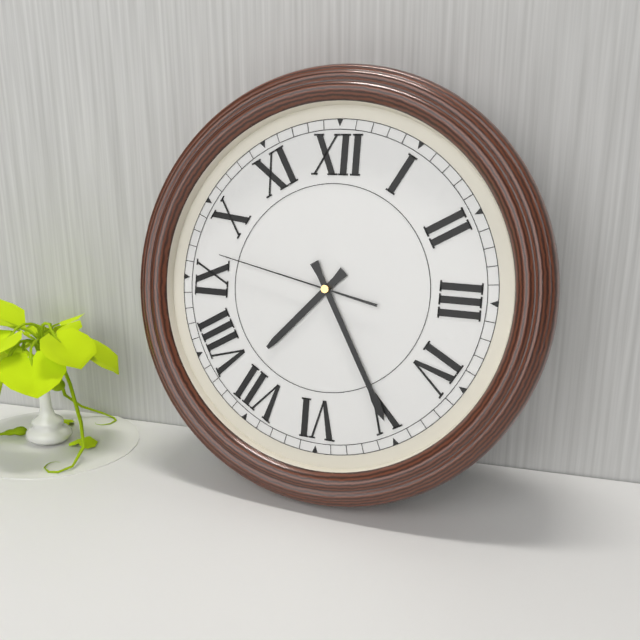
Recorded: {"hour": 7, "minute": 25, "second": 47}
